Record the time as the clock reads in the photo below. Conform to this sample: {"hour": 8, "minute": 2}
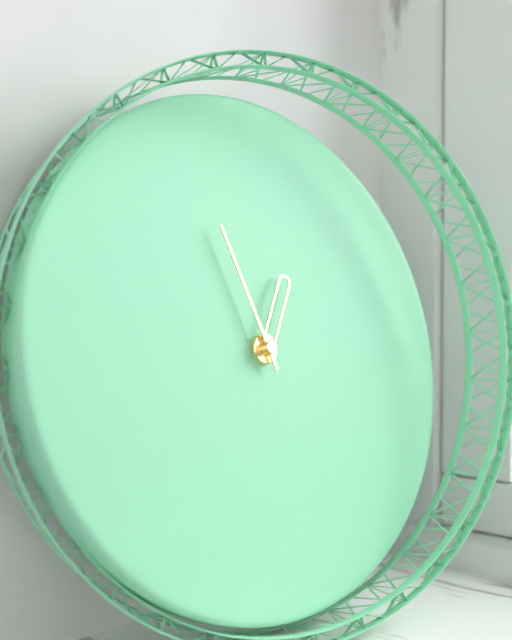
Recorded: {"hour": 12, "minute": 57}
